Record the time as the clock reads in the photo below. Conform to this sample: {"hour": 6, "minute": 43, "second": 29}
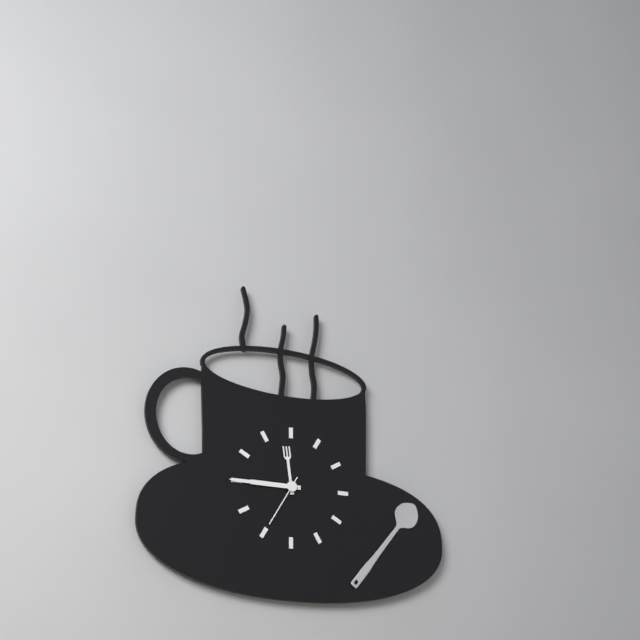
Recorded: {"hour": 11, "minute": 45, "second": 35}
